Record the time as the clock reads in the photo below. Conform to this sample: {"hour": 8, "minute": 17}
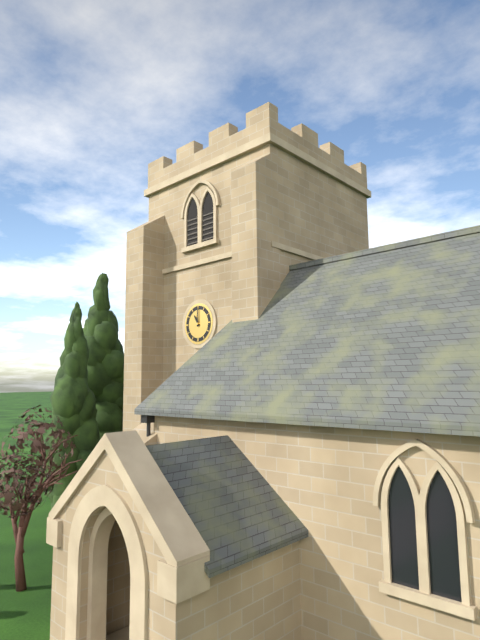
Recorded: {"hour": 11, "minute": 0}
